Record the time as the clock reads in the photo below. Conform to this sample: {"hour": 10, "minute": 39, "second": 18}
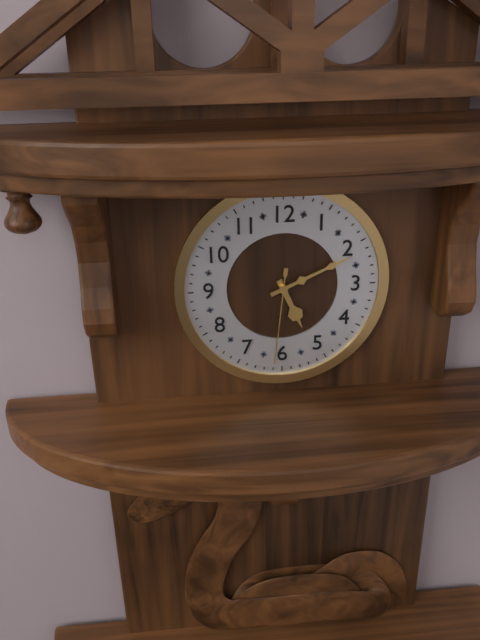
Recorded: {"hour": 5, "minute": 11, "second": 31}
